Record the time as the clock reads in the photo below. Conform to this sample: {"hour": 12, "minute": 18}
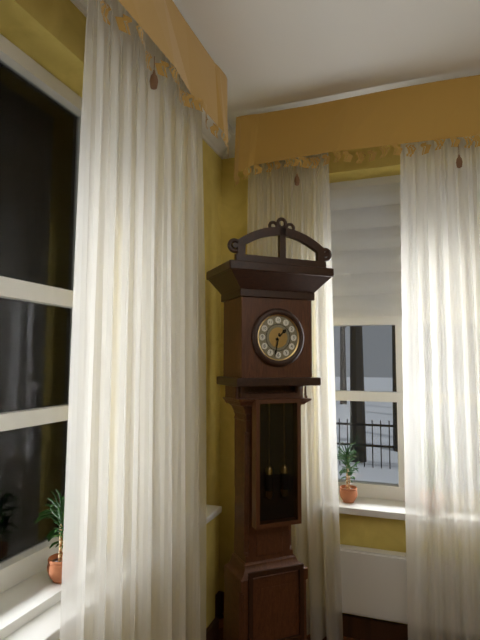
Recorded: {"hour": 1, "minute": 32}
